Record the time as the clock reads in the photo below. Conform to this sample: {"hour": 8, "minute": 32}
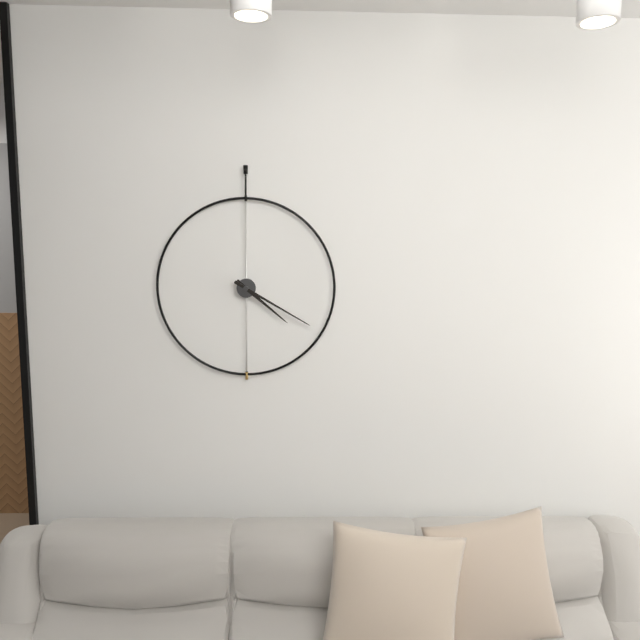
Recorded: {"hour": 4, "minute": 20}
